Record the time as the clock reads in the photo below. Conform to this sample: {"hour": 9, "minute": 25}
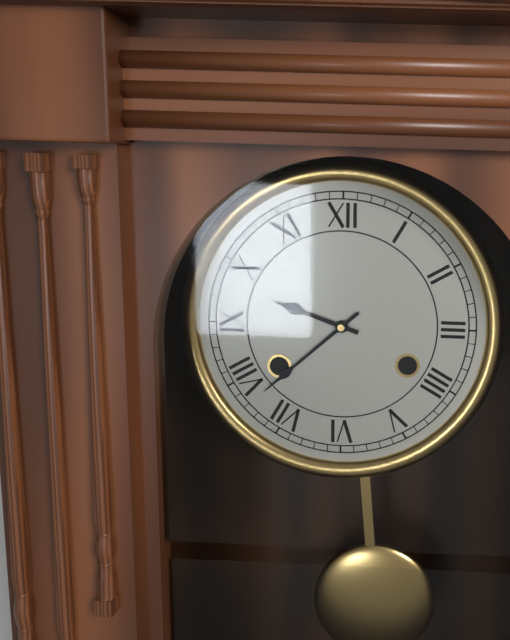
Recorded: {"hour": 9, "minute": 38}
